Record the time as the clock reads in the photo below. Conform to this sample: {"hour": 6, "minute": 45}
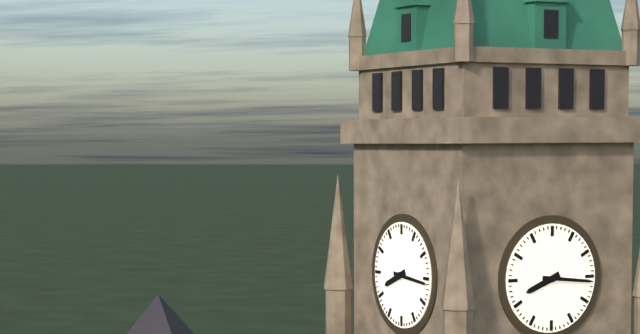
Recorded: {"hour": 8, "minute": 16}
